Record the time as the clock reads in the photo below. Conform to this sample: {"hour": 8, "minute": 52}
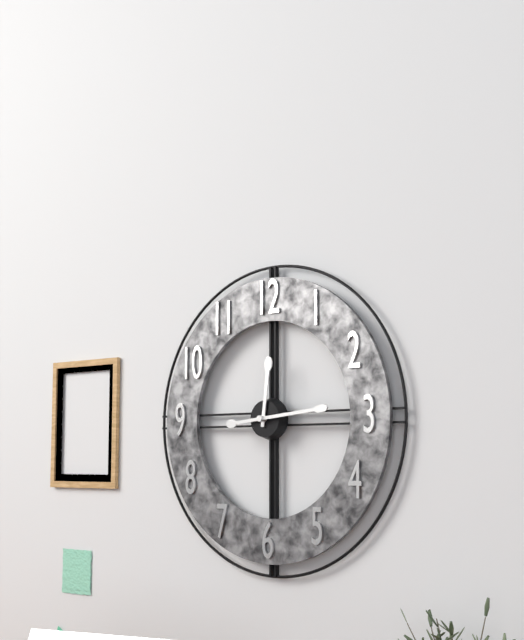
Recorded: {"hour": 12, "minute": 14}
